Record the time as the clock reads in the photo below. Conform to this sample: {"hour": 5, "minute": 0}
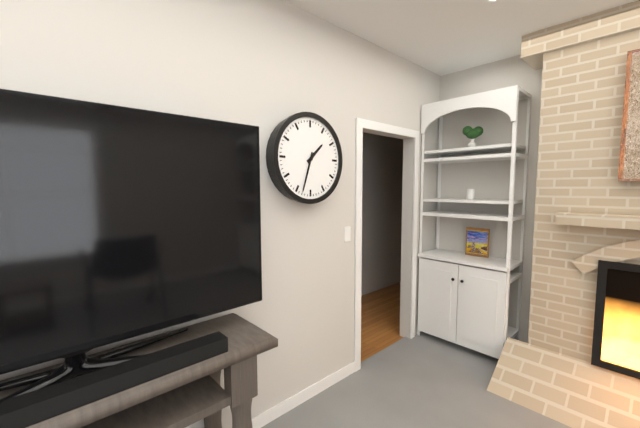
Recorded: {"hour": 1, "minute": 33}
